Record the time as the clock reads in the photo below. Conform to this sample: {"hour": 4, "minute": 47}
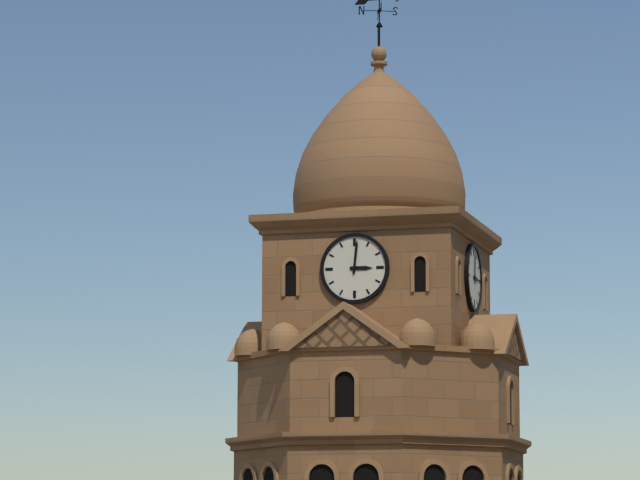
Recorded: {"hour": 3, "minute": 1}
